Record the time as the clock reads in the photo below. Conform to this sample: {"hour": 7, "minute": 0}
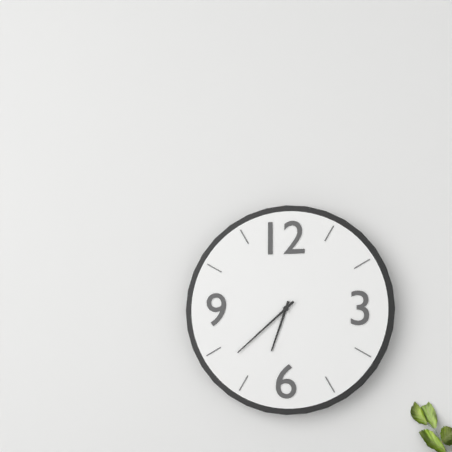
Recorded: {"hour": 6, "minute": 38}
